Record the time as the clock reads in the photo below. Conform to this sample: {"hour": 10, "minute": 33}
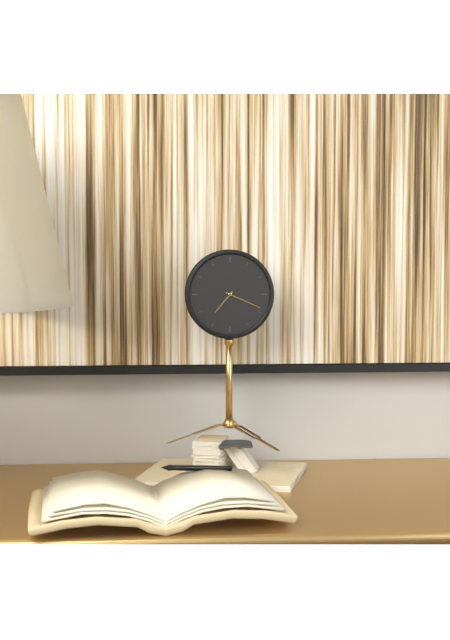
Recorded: {"hour": 7, "minute": 19}
